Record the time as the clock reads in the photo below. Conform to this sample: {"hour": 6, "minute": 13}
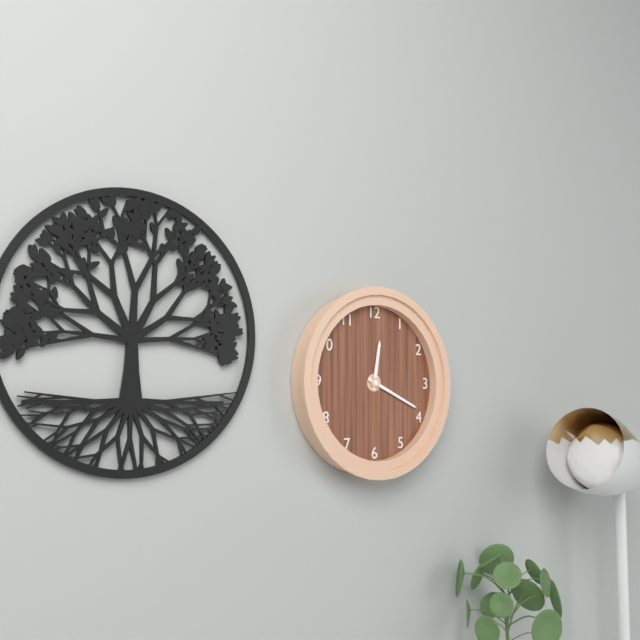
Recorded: {"hour": 12, "minute": 19}
